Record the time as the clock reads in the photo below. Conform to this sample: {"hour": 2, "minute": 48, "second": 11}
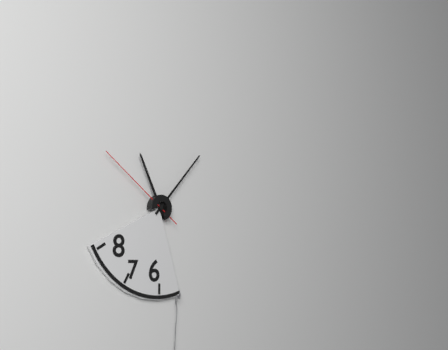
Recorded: {"hour": 11, "minute": 7, "second": 51}
